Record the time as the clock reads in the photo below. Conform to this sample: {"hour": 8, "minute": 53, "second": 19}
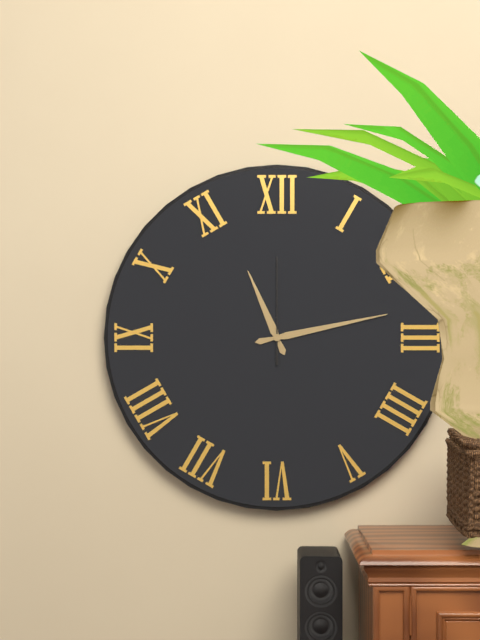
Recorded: {"hour": 11, "minute": 13, "second": 0}
